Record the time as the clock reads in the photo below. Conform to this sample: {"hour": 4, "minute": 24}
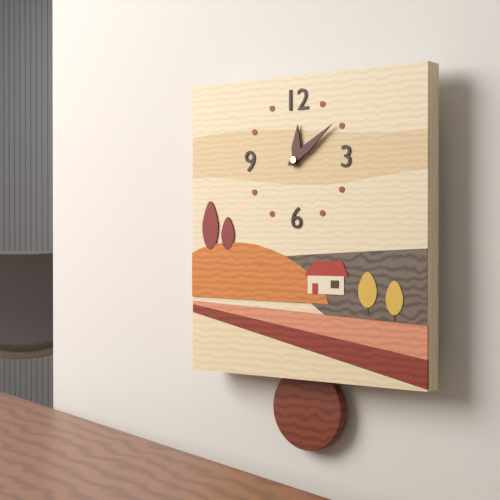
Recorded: {"hour": 12, "minute": 9}
